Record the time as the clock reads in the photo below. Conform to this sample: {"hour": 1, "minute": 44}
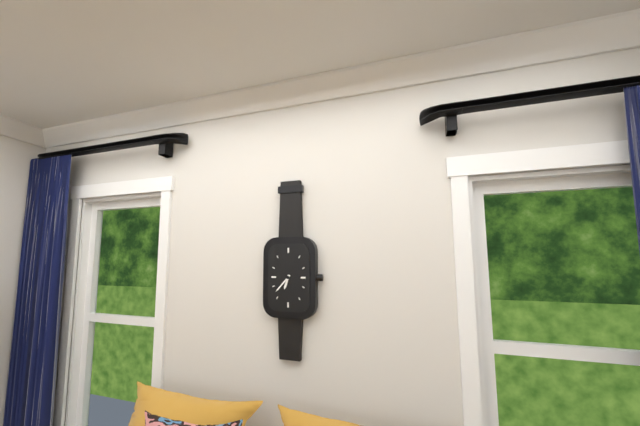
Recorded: {"hour": 6, "minute": 37}
